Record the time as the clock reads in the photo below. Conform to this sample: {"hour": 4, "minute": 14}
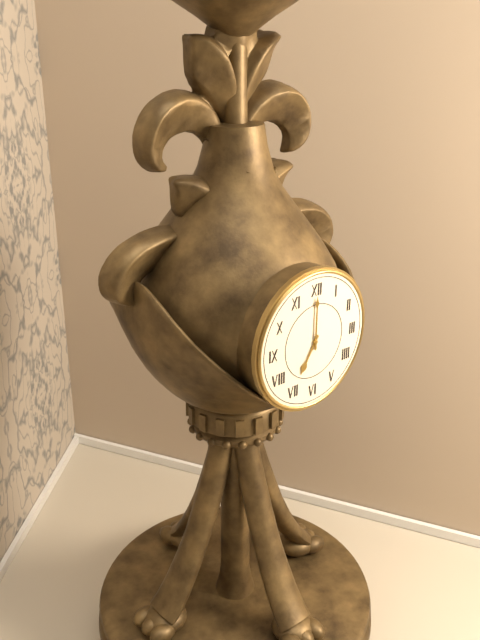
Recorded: {"hour": 7, "minute": 0}
